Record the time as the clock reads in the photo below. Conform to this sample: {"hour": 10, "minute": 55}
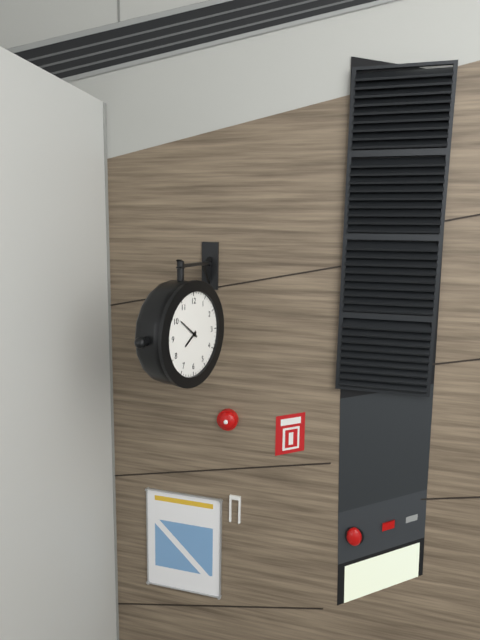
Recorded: {"hour": 7, "minute": 51}
